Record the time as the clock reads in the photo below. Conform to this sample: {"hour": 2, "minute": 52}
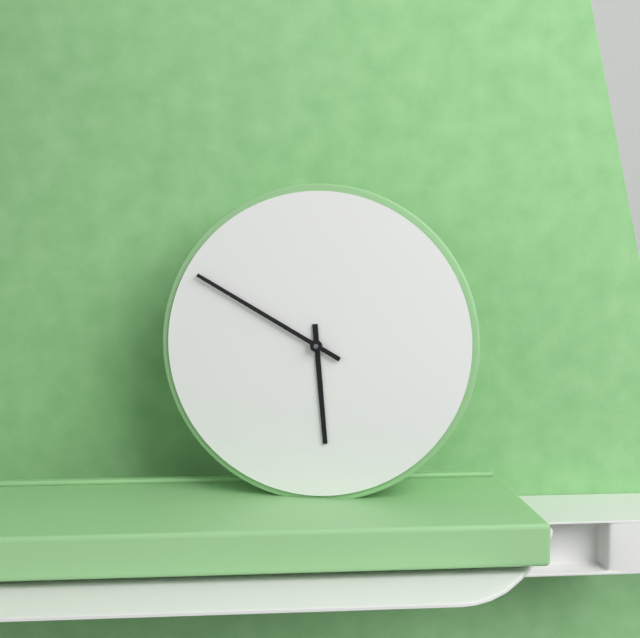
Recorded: {"hour": 5, "minute": 50}
